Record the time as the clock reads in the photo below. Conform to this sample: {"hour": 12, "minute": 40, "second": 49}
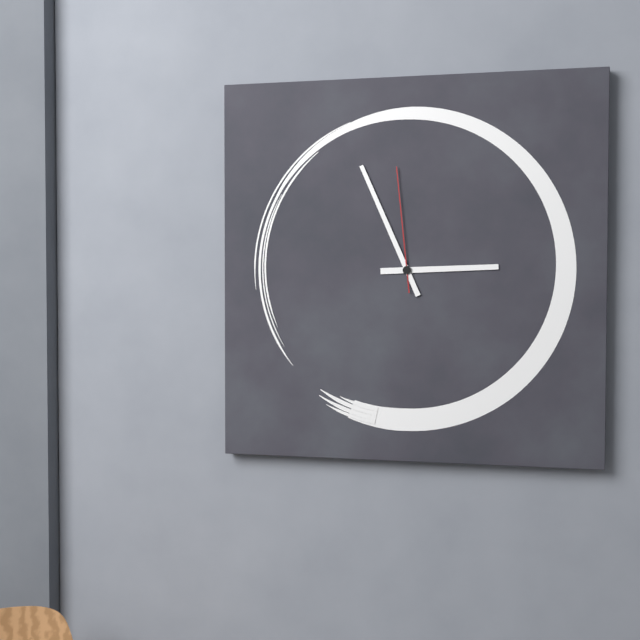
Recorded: {"hour": 2, "minute": 56, "second": 59}
